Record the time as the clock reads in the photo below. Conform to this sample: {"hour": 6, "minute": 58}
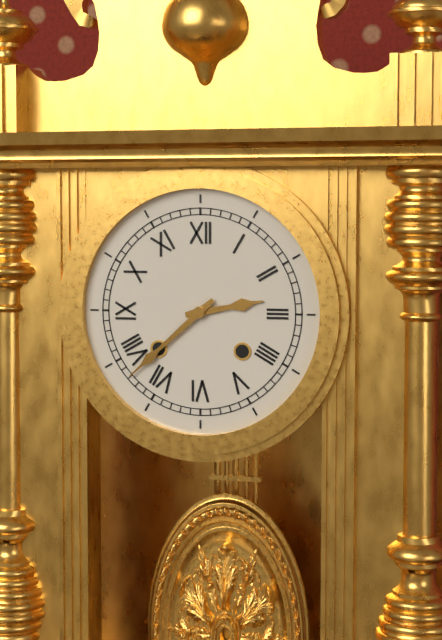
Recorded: {"hour": 2, "minute": 38}
